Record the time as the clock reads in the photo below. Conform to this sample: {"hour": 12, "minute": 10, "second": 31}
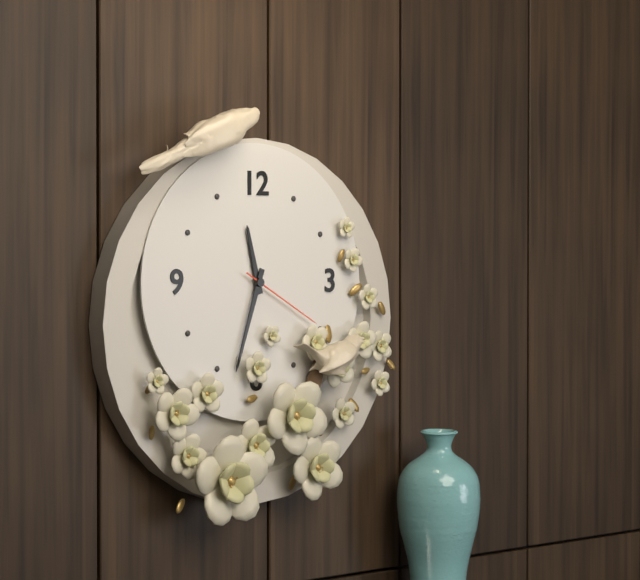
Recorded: {"hour": 11, "minute": 33, "second": 20}
